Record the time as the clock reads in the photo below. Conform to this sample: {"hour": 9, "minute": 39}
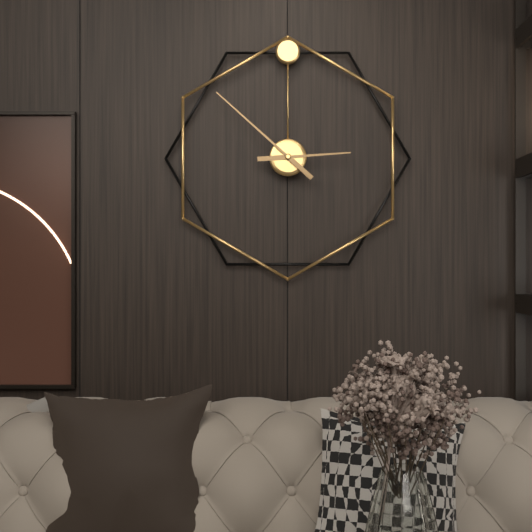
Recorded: {"hour": 2, "minute": 52}
